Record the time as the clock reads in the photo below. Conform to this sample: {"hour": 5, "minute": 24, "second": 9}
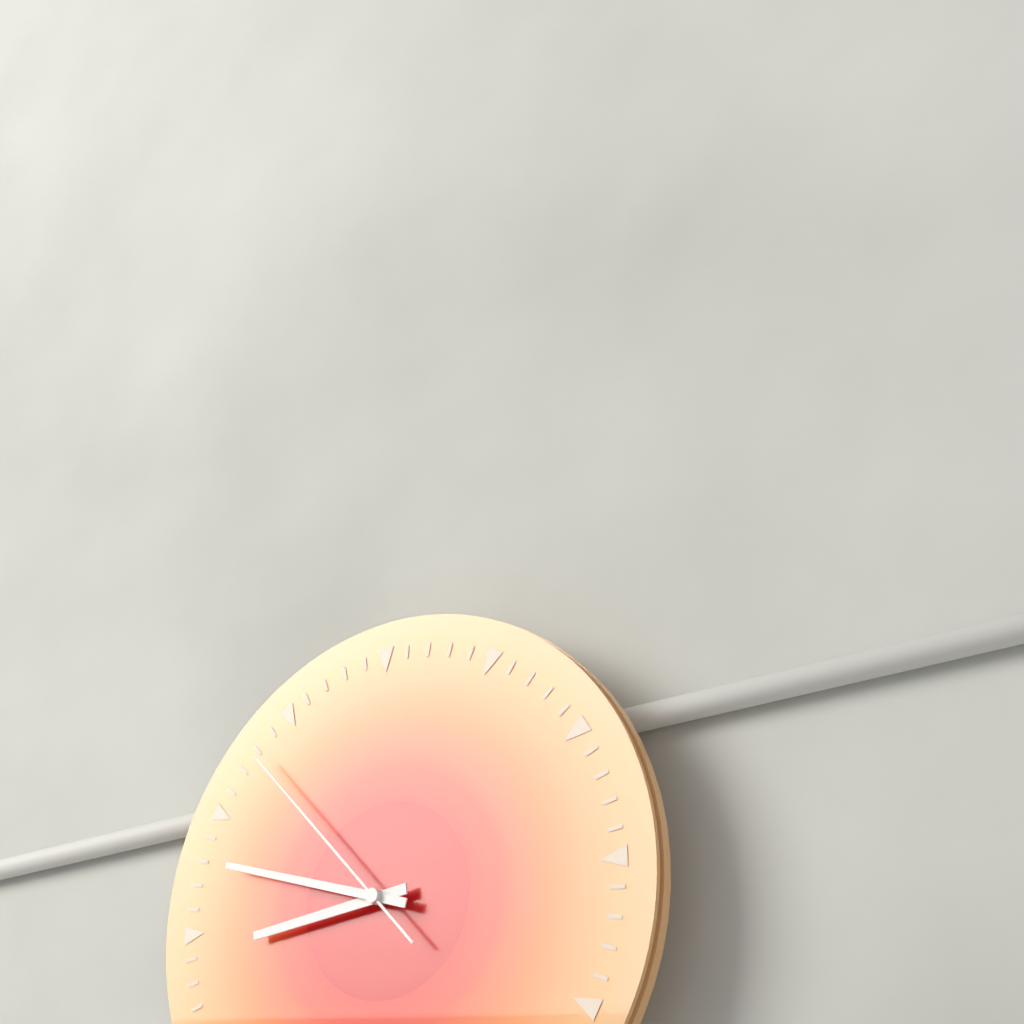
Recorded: {"hour": 8, "minute": 48, "second": 53}
